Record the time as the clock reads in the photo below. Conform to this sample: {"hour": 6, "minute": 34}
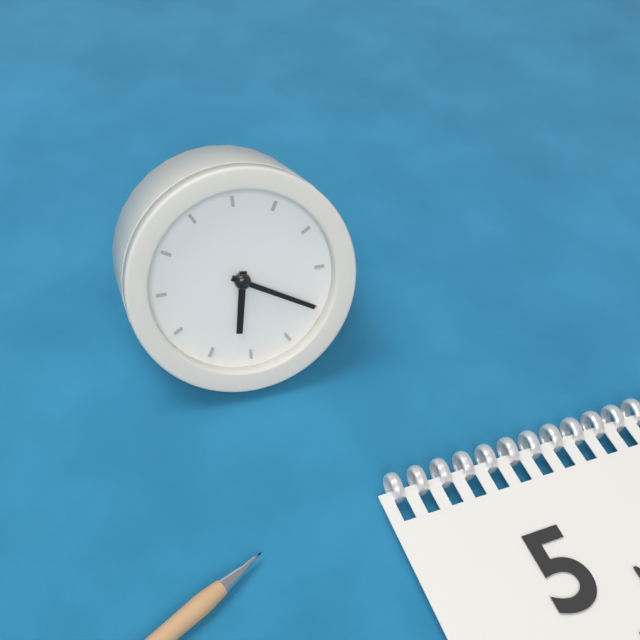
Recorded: {"hour": 6, "minute": 20}
